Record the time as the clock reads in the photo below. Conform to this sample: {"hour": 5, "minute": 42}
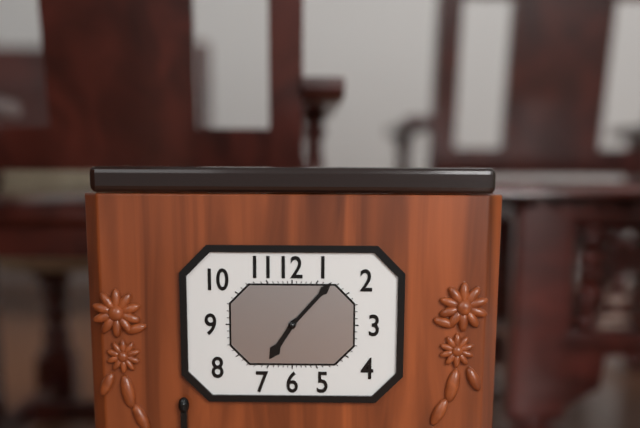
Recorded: {"hour": 7, "minute": 7}
